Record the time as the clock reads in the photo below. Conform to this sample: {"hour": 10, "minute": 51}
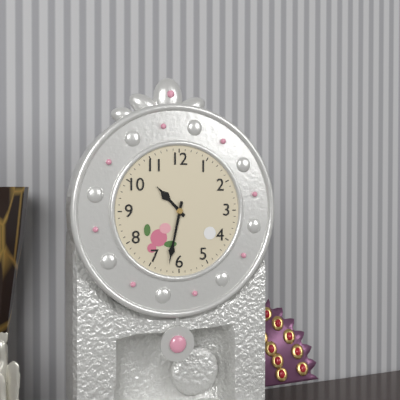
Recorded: {"hour": 10, "minute": 32}
